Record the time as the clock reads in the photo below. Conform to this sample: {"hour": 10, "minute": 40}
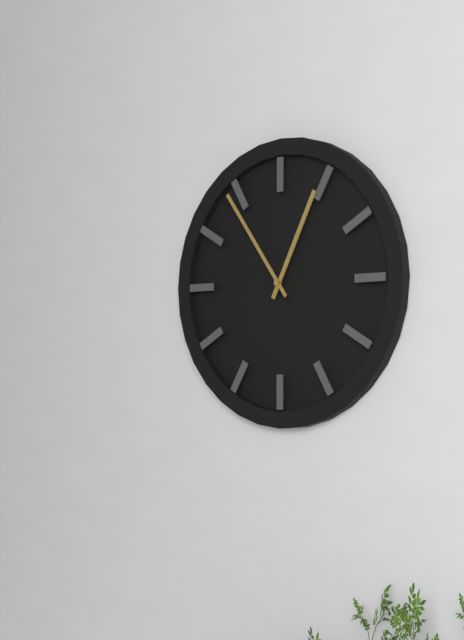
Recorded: {"hour": 12, "minute": 54}
